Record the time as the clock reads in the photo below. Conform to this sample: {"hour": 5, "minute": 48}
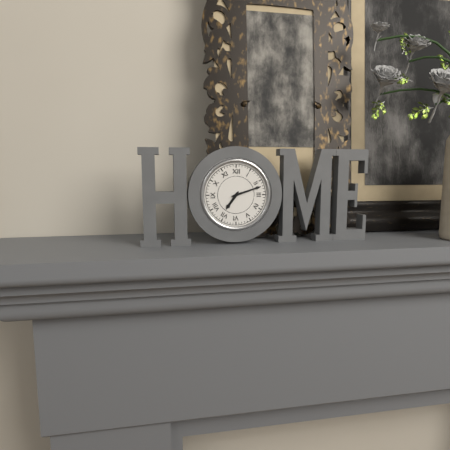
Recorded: {"hour": 7, "minute": 12}
